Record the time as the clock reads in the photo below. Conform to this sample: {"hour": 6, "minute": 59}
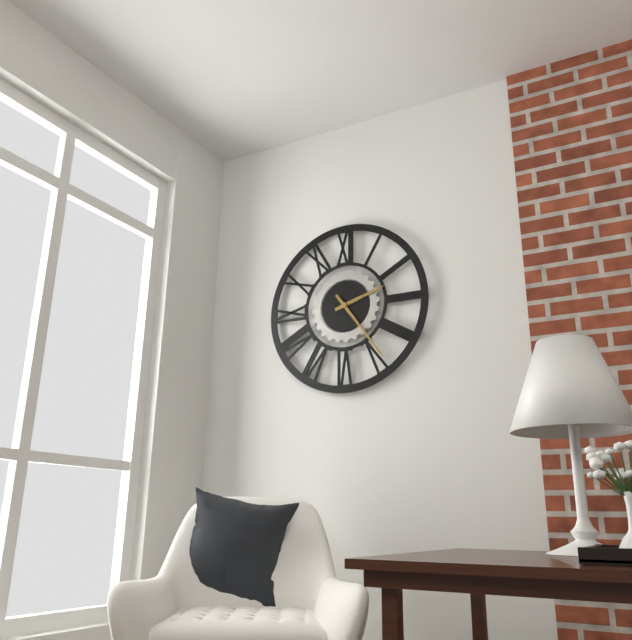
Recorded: {"hour": 2, "minute": 24}
